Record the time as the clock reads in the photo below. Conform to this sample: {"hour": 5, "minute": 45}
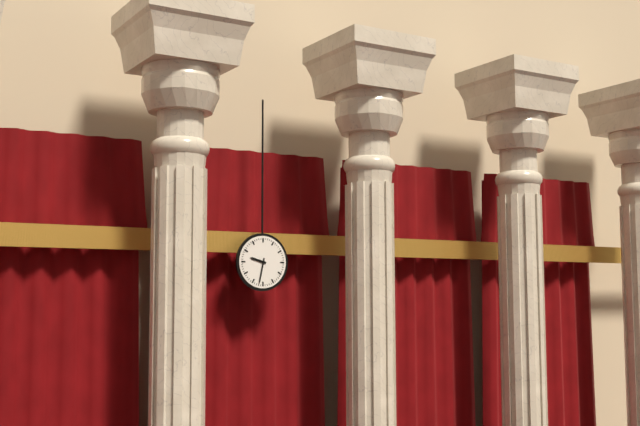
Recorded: {"hour": 9, "minute": 32}
